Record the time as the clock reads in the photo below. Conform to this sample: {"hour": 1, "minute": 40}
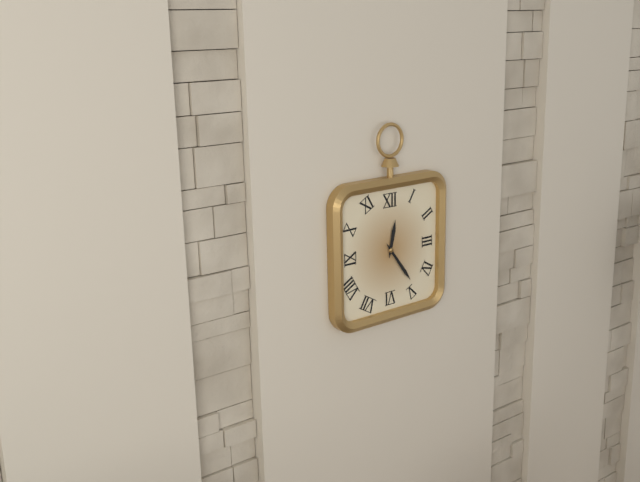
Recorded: {"hour": 12, "minute": 24}
